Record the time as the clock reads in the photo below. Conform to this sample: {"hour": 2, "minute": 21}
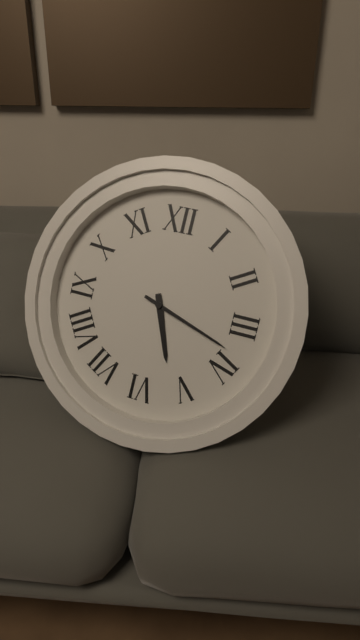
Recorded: {"hour": 5, "minute": 18}
